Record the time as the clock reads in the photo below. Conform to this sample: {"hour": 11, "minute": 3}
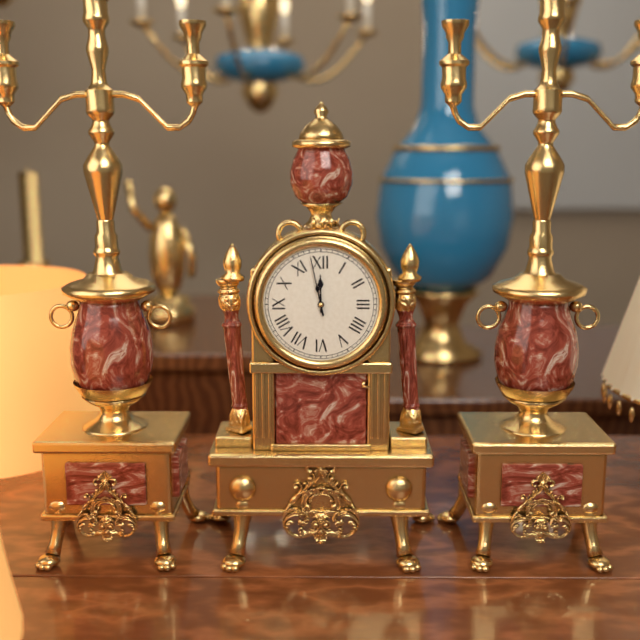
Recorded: {"hour": 11, "minute": 58}
